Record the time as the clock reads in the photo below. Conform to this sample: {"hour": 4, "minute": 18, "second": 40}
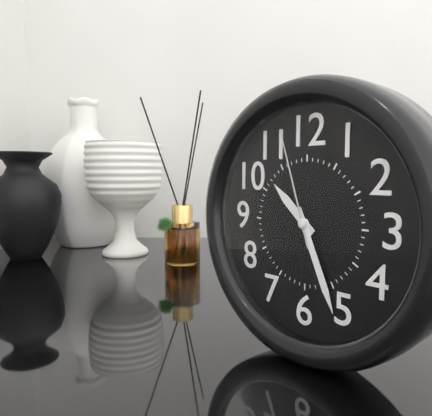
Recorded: {"hour": 10, "minute": 26, "second": 57}
